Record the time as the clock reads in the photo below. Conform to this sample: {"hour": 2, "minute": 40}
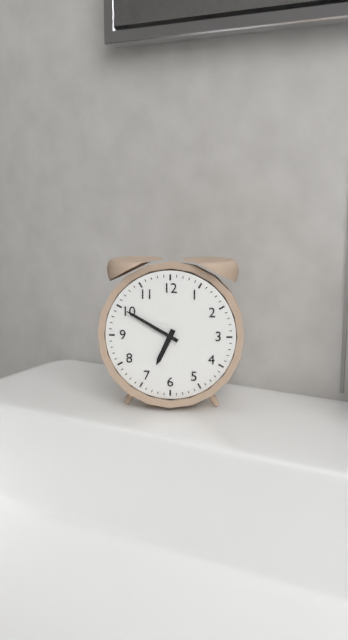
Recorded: {"hour": 6, "minute": 50}
